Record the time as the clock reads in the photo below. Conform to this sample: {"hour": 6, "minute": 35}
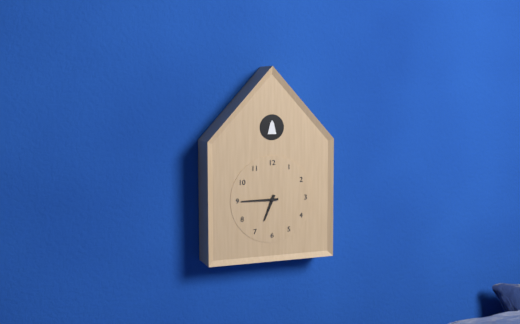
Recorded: {"hour": 6, "minute": 45}
